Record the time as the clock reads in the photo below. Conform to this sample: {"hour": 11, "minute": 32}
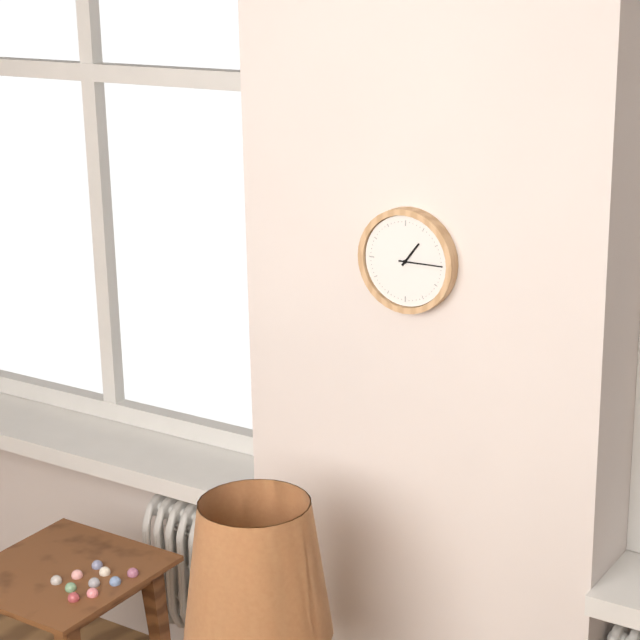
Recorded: {"hour": 1, "minute": 15}
